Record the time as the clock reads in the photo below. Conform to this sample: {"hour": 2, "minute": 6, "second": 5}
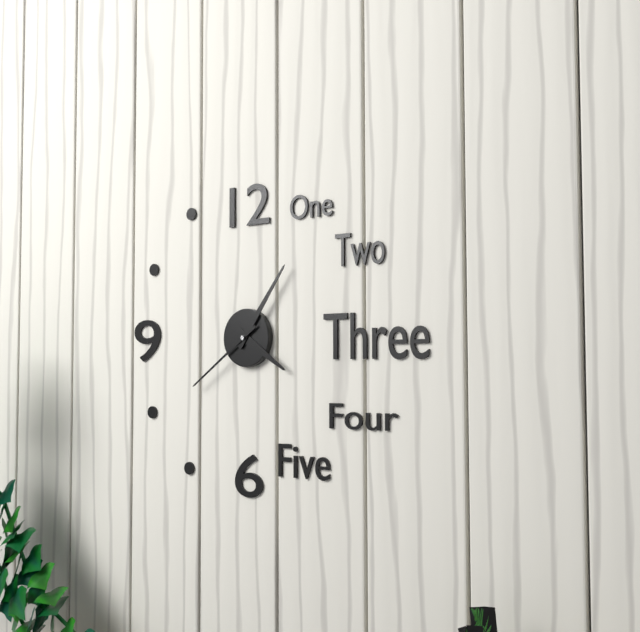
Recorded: {"hour": 4, "minute": 6, "second": 39}
